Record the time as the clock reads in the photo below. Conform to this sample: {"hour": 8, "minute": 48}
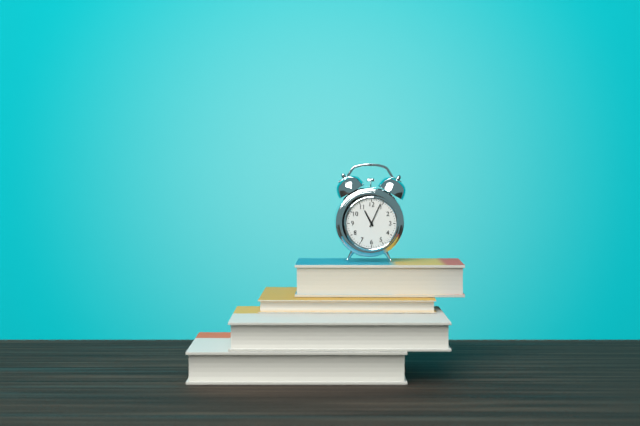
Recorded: {"hour": 11, "minute": 4}
